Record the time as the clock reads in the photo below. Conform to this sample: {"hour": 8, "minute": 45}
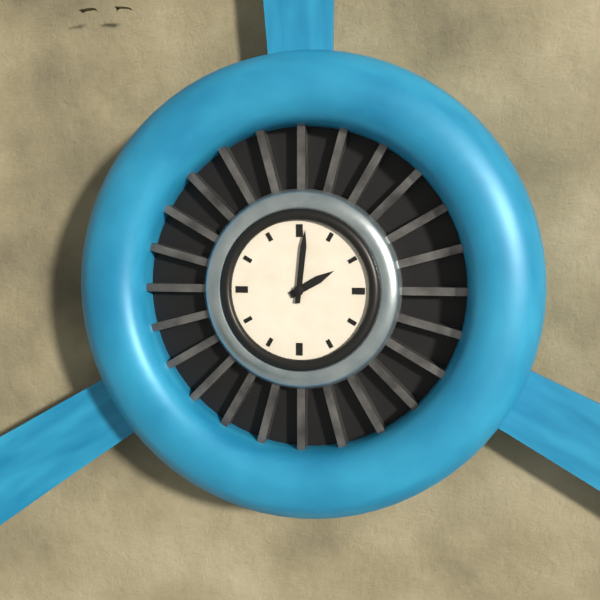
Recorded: {"hour": 2, "minute": 1}
